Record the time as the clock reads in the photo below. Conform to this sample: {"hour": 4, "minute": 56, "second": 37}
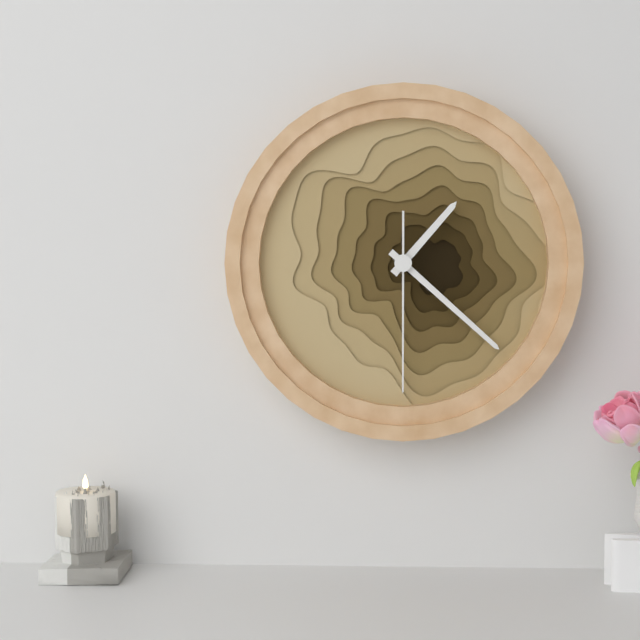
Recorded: {"hour": 1, "minute": 22, "second": 30}
